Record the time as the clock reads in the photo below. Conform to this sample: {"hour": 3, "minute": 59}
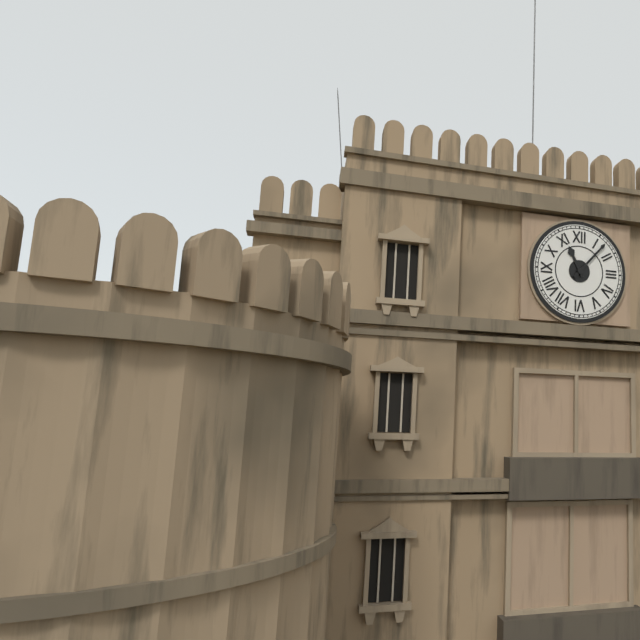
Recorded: {"hour": 11, "minute": 7}
